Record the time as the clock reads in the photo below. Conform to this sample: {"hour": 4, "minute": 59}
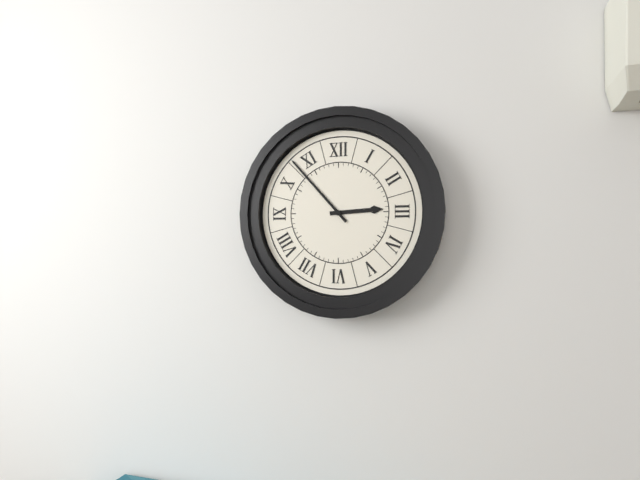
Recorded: {"hour": 2, "minute": 53}
